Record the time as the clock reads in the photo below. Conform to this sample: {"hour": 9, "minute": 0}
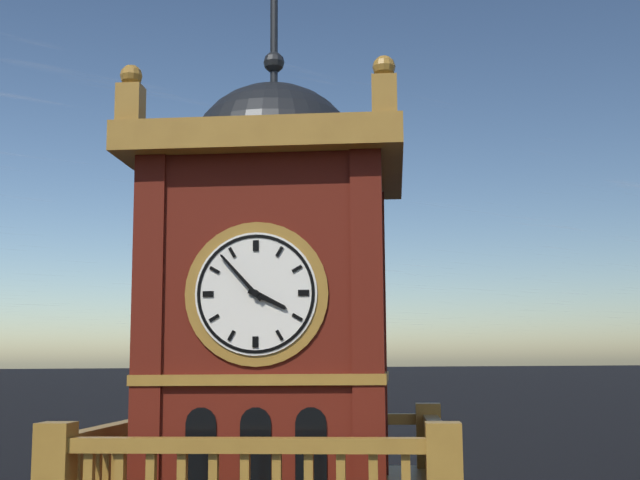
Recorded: {"hour": 3, "minute": 53}
